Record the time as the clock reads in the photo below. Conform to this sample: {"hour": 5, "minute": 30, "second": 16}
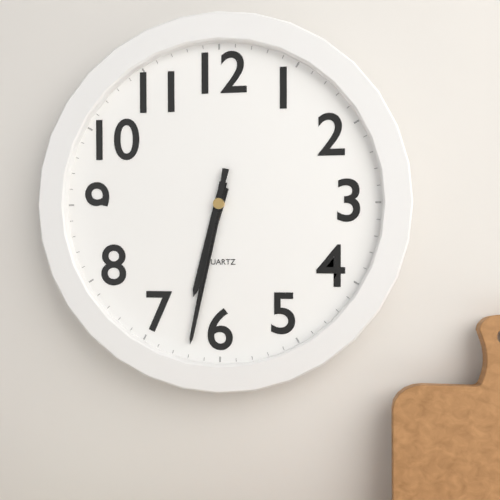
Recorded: {"hour": 6, "minute": 32, "second": 32}
